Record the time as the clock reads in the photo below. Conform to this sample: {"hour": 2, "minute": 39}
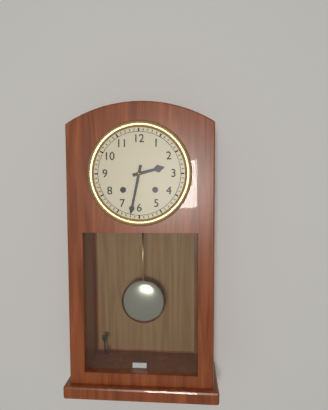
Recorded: {"hour": 2, "minute": 32}
